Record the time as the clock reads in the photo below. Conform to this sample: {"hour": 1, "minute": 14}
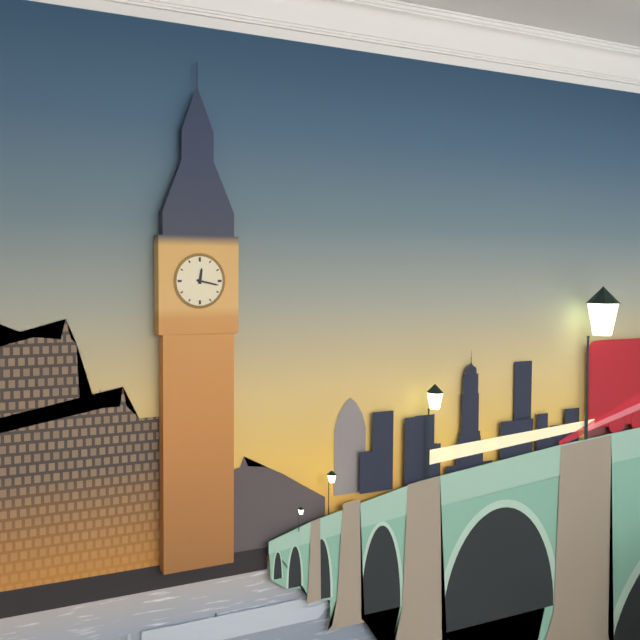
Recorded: {"hour": 12, "minute": 17}
